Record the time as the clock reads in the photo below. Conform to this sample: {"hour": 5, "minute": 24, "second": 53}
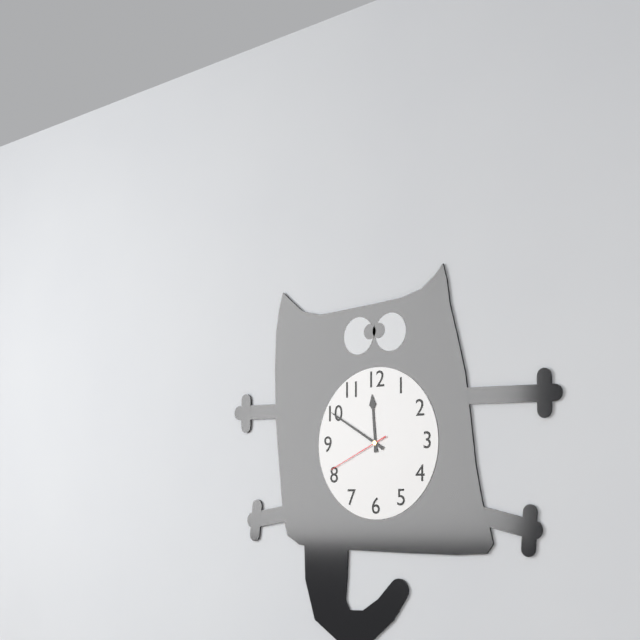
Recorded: {"hour": 11, "minute": 50, "second": 41}
